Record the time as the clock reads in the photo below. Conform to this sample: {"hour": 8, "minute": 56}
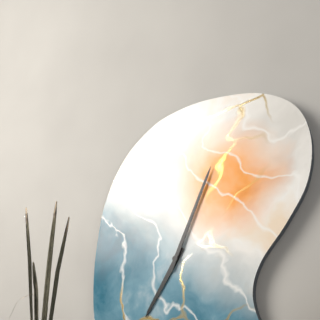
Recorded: {"hour": 7, "minute": 4}
